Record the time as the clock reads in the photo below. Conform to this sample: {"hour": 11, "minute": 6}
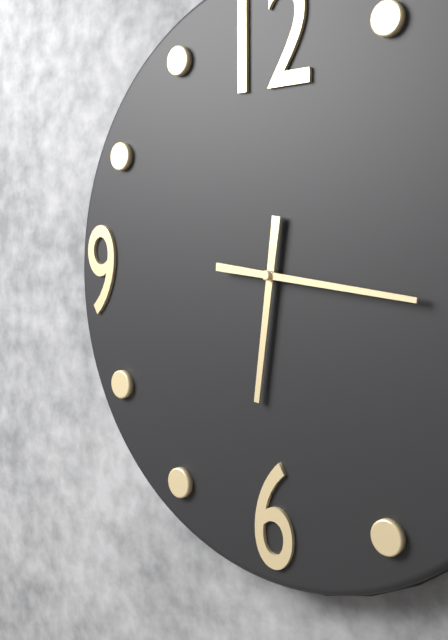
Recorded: {"hour": 6, "minute": 16}
